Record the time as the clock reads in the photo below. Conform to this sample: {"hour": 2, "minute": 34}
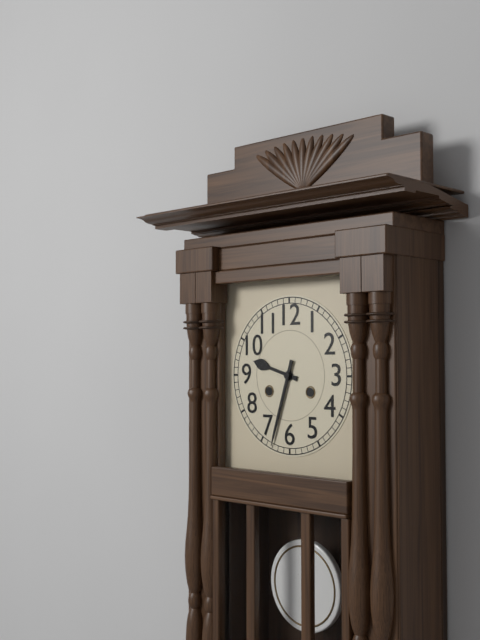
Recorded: {"hour": 9, "minute": 33}
